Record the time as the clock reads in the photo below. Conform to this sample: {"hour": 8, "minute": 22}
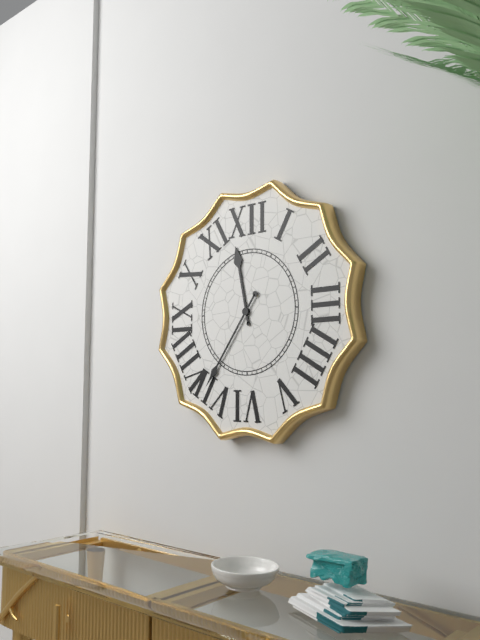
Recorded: {"hour": 11, "minute": 36}
